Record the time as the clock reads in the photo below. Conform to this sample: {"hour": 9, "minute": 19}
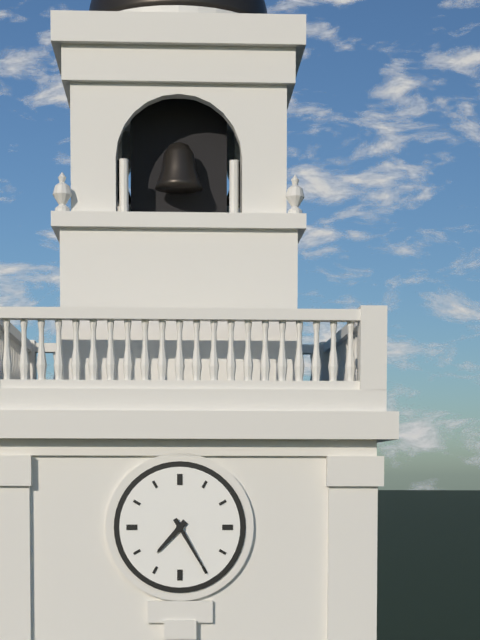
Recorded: {"hour": 7, "minute": 25}
